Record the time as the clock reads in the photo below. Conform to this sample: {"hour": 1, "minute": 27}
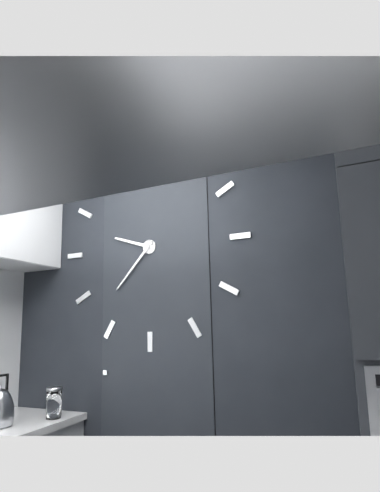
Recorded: {"hour": 9, "minute": 37}
